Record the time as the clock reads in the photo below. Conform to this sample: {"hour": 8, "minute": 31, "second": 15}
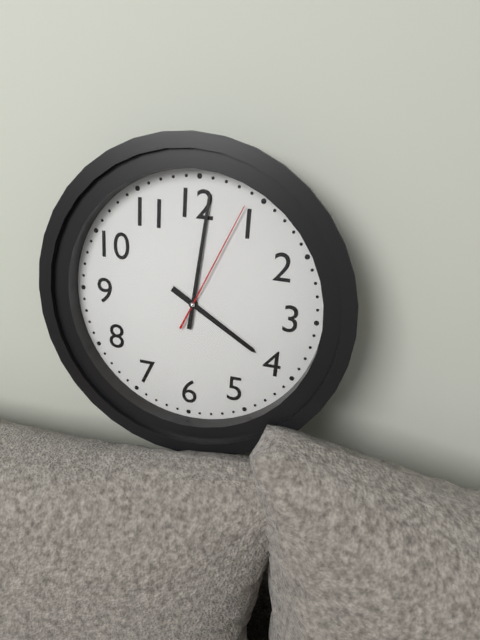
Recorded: {"hour": 4, "minute": 1, "second": 4}
